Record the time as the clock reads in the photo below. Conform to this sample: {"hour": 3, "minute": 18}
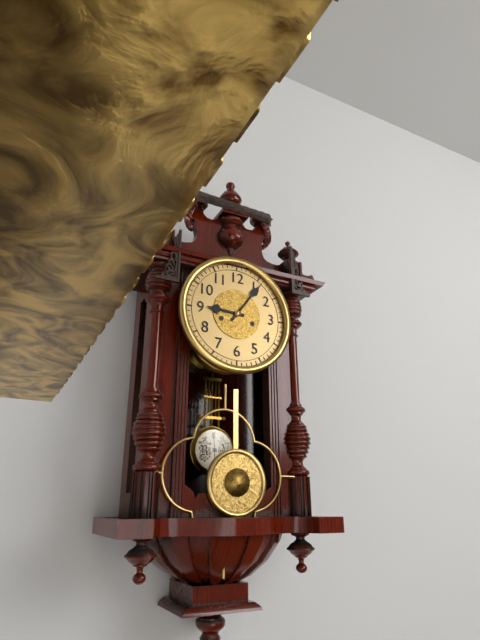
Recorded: {"hour": 9, "minute": 6}
